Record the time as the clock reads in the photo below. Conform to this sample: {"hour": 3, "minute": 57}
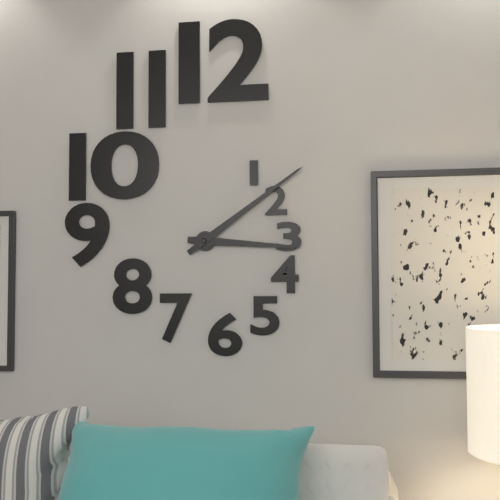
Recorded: {"hour": 3, "minute": 9}
